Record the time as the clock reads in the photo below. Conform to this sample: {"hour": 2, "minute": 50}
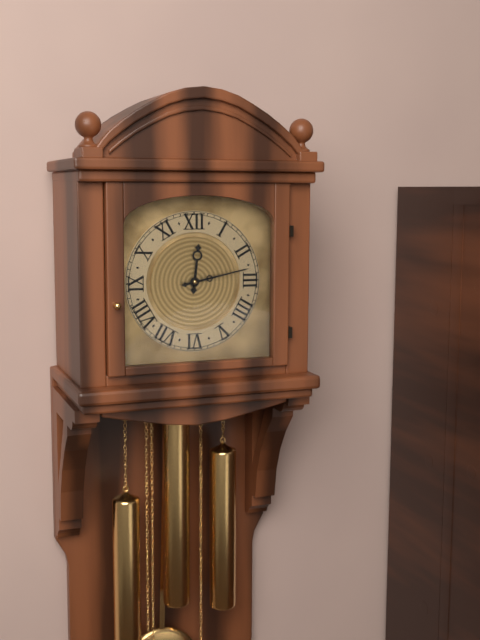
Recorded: {"hour": 12, "minute": 13}
